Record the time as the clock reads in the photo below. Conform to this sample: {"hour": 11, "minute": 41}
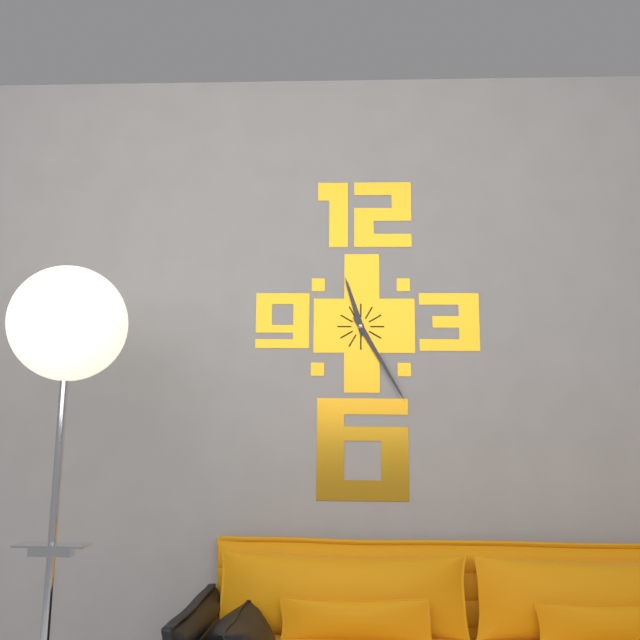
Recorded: {"hour": 11, "minute": 25}
